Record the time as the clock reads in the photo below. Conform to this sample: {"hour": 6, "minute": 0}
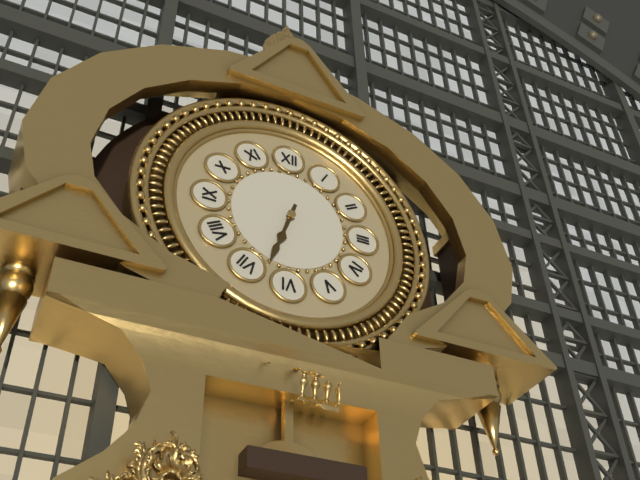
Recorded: {"hour": 6, "minute": 33}
